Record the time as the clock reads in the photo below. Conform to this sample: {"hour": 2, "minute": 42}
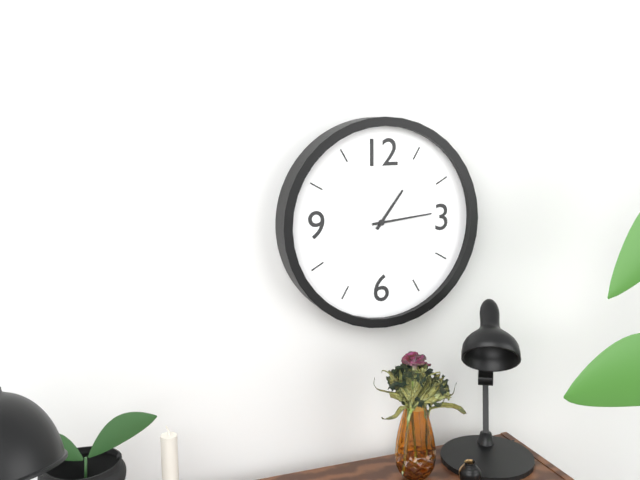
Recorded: {"hour": 1, "minute": 14}
